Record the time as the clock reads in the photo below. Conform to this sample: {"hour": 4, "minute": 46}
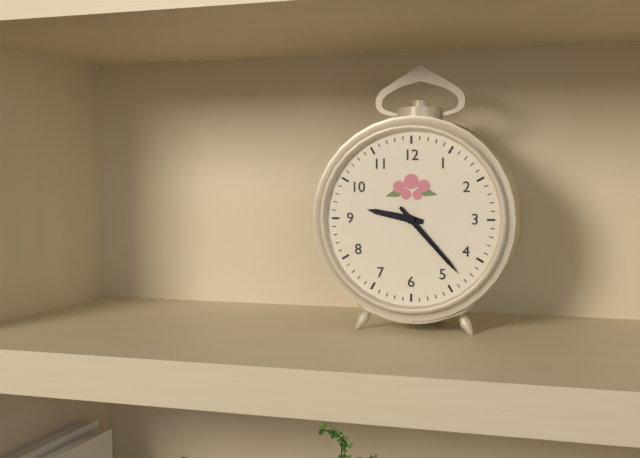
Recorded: {"hour": 9, "minute": 23}
